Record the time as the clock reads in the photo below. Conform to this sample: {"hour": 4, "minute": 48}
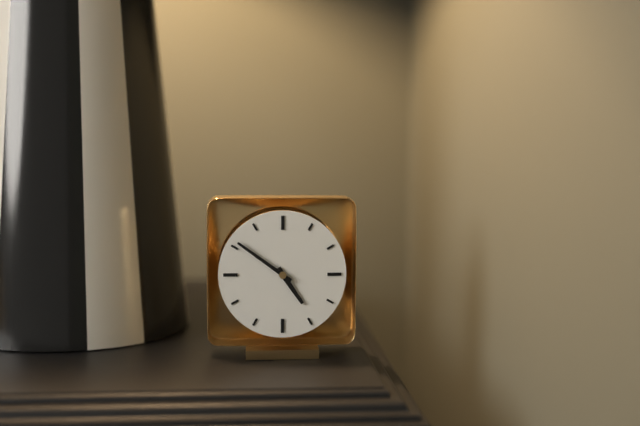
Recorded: {"hour": 4, "minute": 51}
